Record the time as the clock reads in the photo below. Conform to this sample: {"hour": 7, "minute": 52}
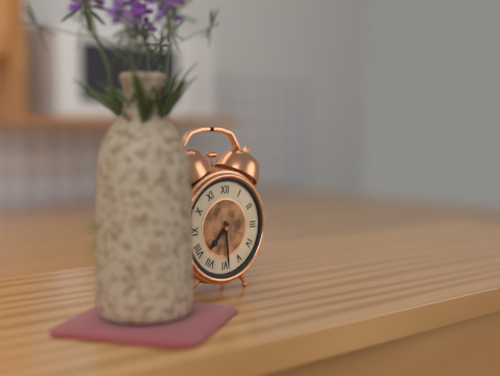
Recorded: {"hour": 7, "minute": 29}
